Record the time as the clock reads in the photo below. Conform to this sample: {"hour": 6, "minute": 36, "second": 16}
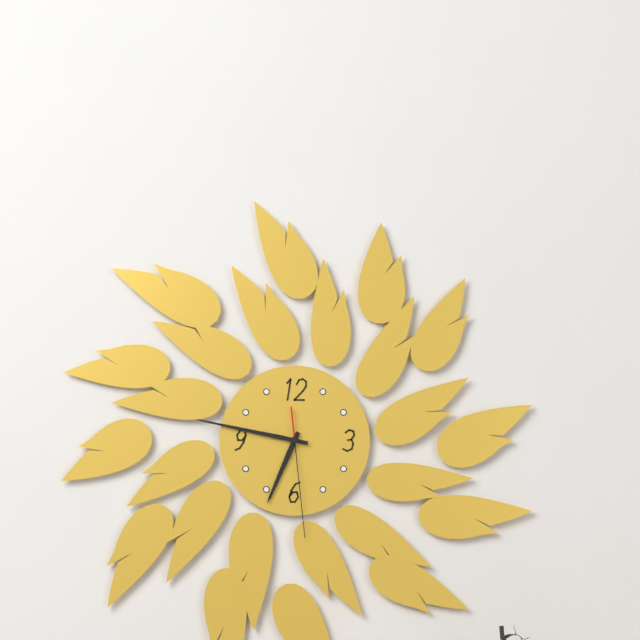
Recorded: {"hour": 6, "minute": 47, "second": 29}
